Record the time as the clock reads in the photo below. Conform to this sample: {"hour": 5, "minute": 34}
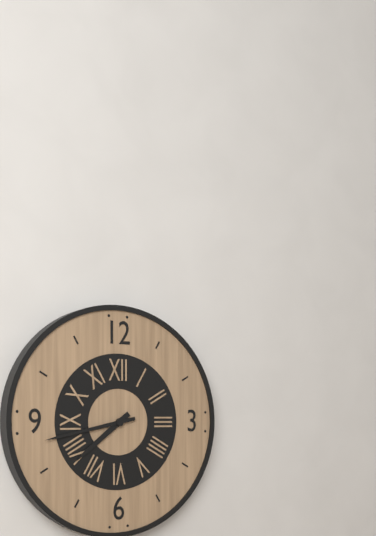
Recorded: {"hour": 7, "minute": 43}
